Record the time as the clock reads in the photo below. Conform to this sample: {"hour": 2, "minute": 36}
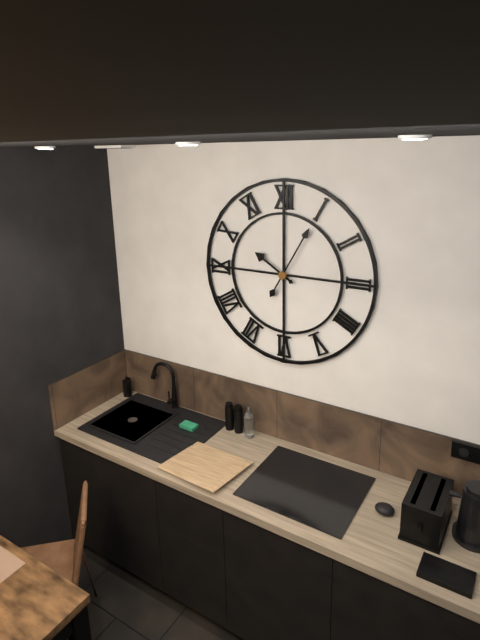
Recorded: {"hour": 10, "minute": 5}
